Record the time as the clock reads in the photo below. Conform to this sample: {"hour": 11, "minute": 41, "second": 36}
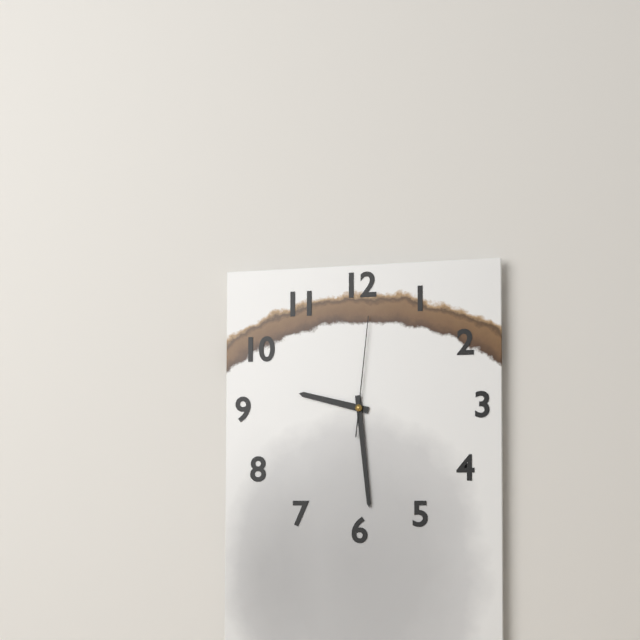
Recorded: {"hour": 9, "minute": 29, "second": 1}
